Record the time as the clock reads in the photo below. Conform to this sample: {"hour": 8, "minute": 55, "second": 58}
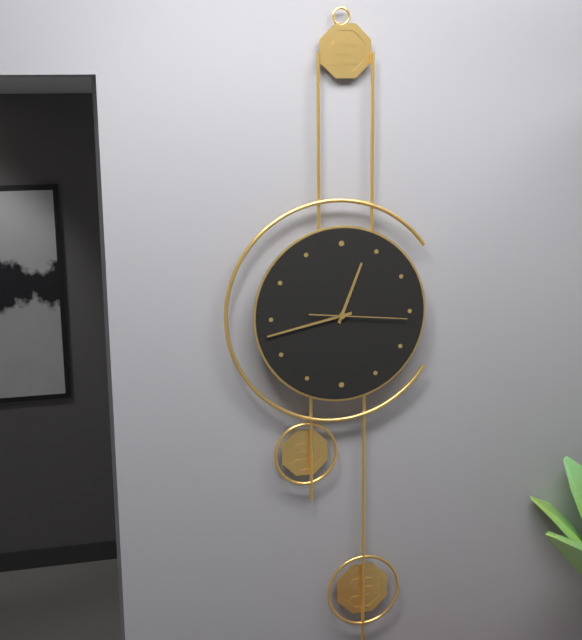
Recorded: {"hour": 12, "minute": 43, "second": 16}
